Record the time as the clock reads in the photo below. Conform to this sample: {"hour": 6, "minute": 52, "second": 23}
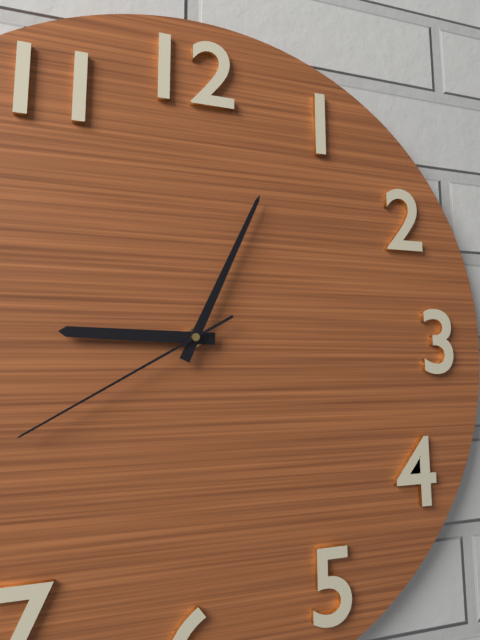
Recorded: {"hour": 9, "minute": 4, "second": 40}
